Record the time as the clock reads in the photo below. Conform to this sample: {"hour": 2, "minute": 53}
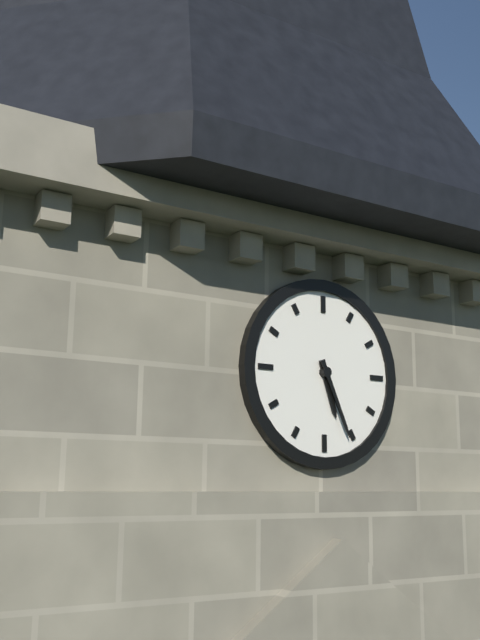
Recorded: {"hour": 5, "minute": 26}
